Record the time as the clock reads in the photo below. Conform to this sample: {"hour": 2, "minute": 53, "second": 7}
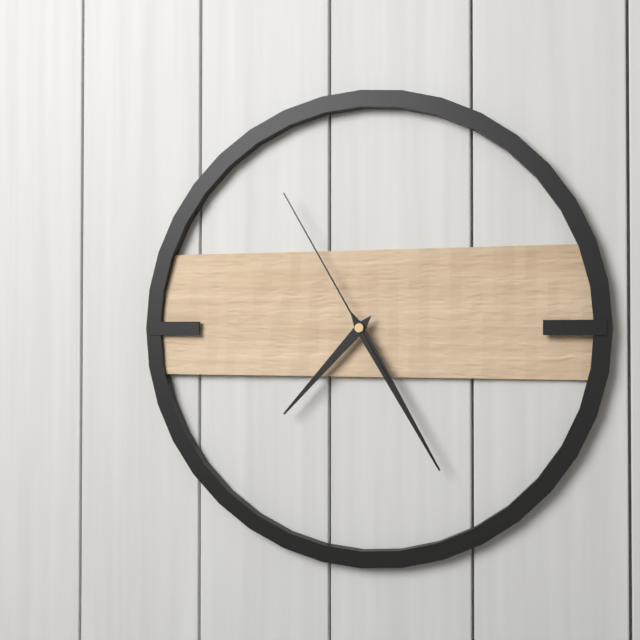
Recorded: {"hour": 7, "minute": 25, "second": 55}
